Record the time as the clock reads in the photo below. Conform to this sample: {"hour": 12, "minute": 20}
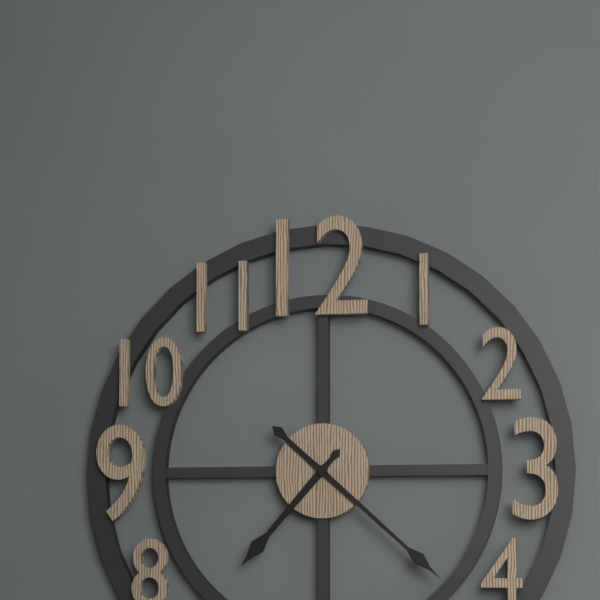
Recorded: {"hour": 7, "minute": 22}
